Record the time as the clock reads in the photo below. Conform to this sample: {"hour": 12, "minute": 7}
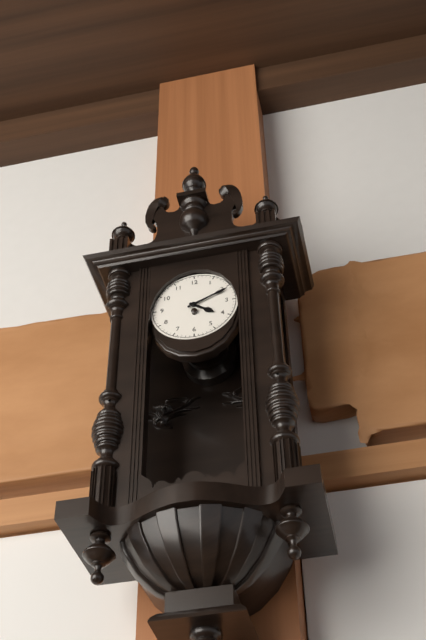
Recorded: {"hour": 4, "minute": 11}
